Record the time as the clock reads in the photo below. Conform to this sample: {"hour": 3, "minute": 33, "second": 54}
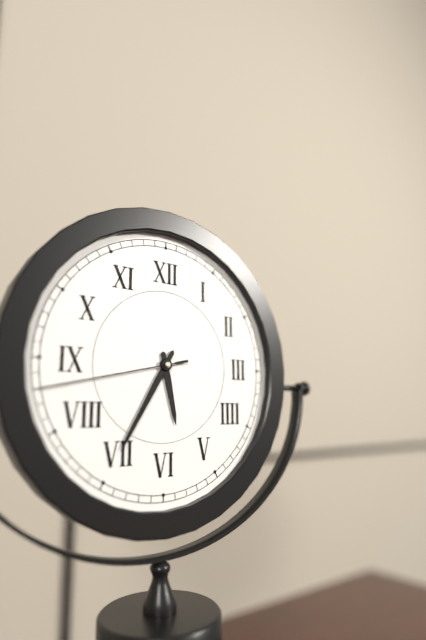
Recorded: {"hour": 5, "minute": 35, "second": 43}
